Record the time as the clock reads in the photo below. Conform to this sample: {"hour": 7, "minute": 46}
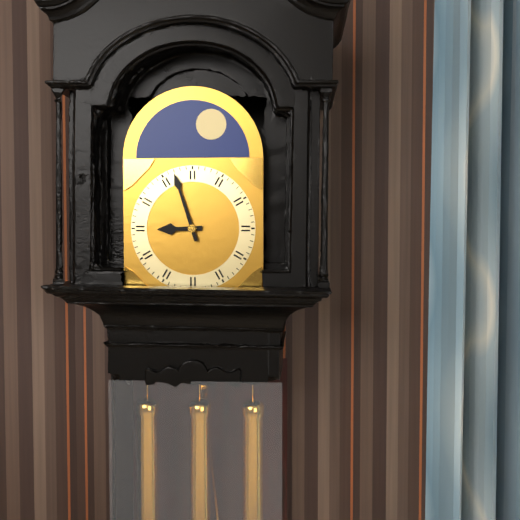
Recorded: {"hour": 8, "minute": 57}
